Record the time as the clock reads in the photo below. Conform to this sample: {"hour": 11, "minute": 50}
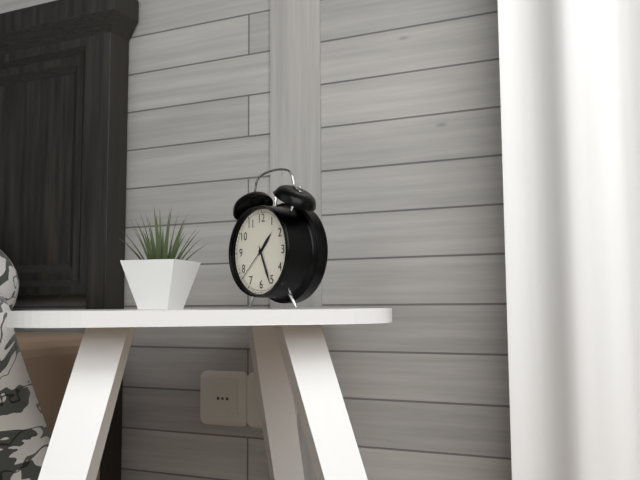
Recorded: {"hour": 1, "minute": 26}
